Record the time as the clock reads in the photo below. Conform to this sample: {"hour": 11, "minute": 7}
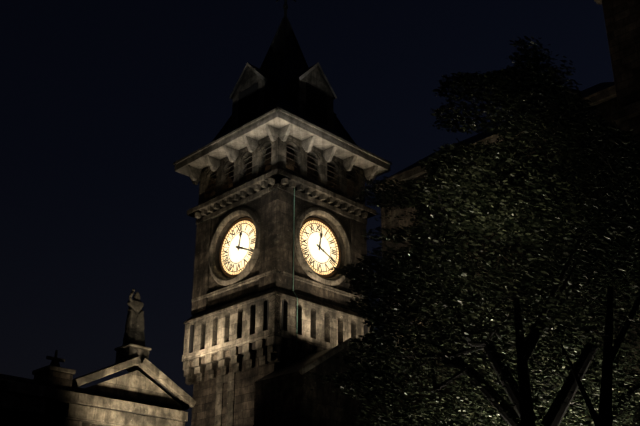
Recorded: {"hour": 12, "minute": 19}
